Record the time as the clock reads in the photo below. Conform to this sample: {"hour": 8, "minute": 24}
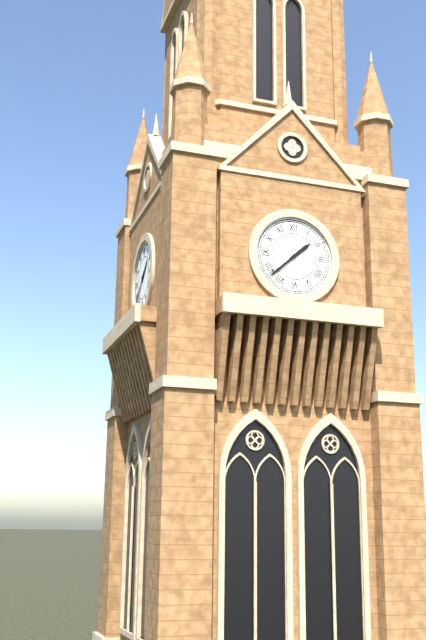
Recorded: {"hour": 1, "minute": 38}
